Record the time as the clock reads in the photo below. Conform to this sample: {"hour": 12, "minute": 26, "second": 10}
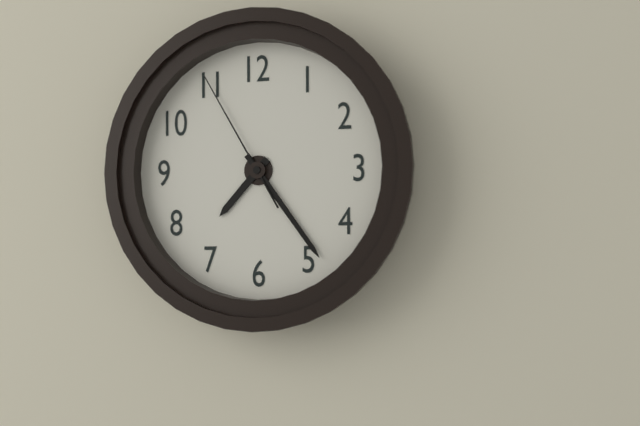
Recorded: {"hour": 7, "minute": 24, "second": 55}
